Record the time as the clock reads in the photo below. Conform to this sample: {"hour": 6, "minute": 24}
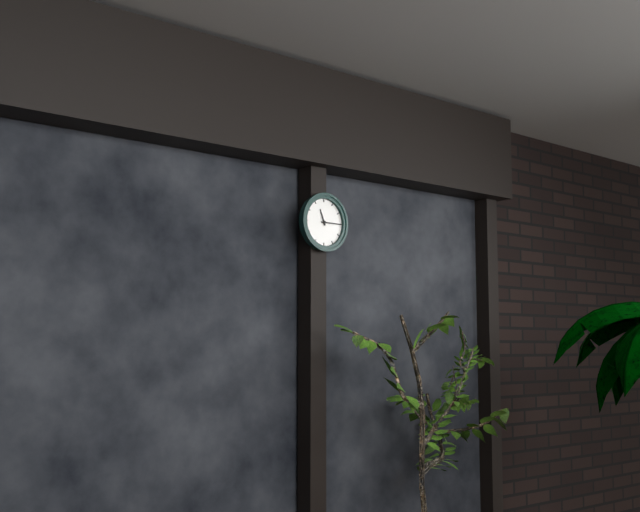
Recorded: {"hour": 11, "minute": 15}
